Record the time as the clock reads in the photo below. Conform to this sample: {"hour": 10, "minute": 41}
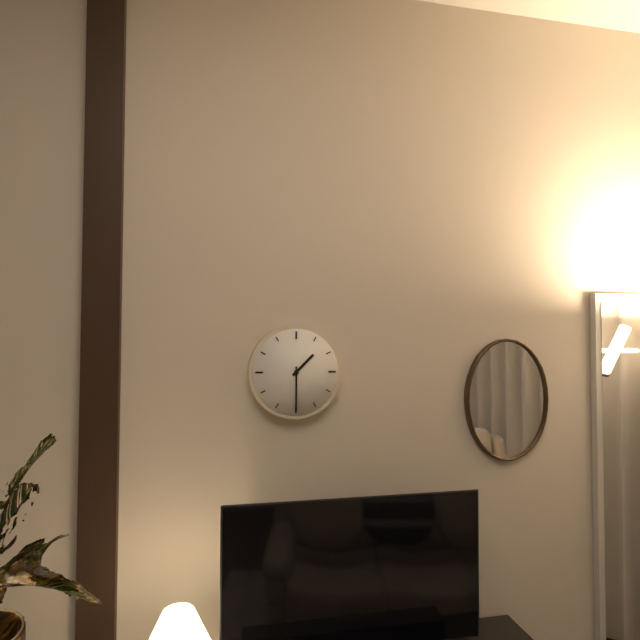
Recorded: {"hour": 1, "minute": 30}
